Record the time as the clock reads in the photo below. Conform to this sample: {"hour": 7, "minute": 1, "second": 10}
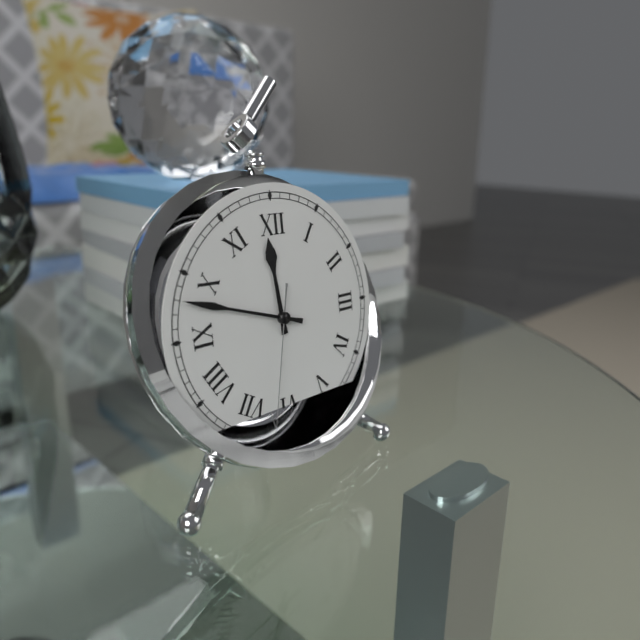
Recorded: {"hour": 11, "minute": 48, "second": 32}
